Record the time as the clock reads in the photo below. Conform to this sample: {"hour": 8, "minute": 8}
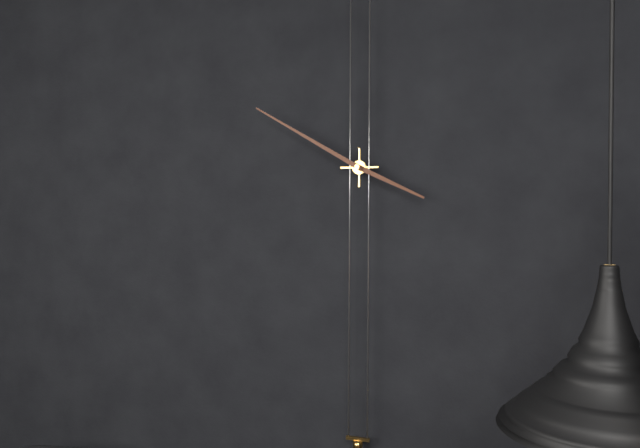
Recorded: {"hour": 3, "minute": 50}
